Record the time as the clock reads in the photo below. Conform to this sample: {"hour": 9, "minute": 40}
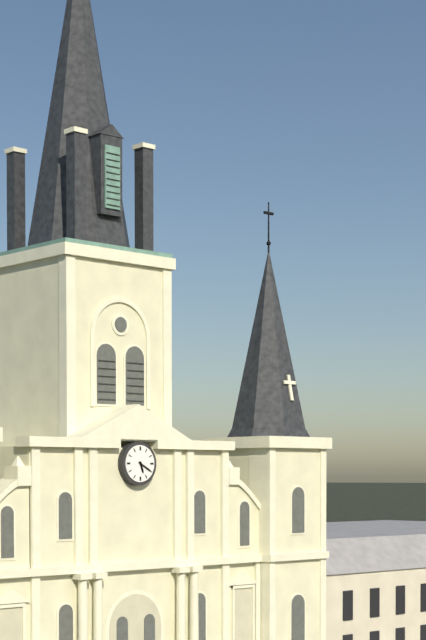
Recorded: {"hour": 5, "minute": 20}
